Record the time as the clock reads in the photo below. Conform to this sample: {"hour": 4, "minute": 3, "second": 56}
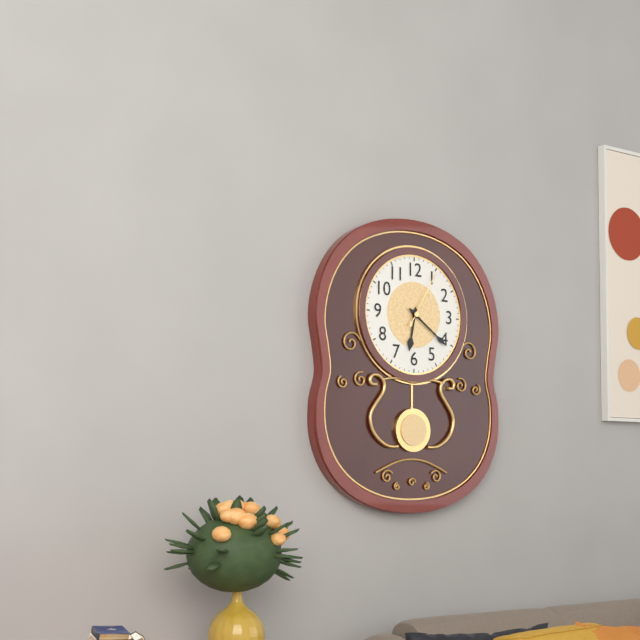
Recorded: {"hour": 6, "minute": 21, "second": 5}
